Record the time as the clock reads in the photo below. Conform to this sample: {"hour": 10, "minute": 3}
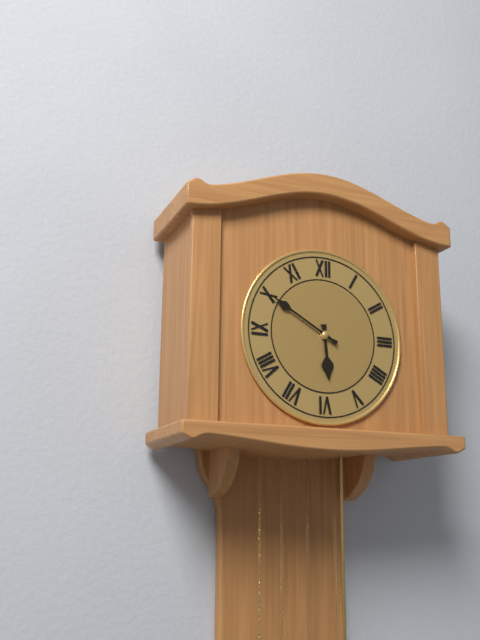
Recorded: {"hour": 5, "minute": 50}
